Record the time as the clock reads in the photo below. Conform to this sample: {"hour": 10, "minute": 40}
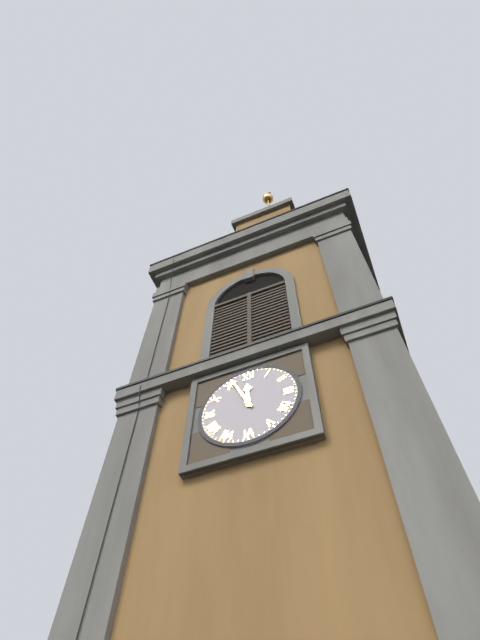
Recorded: {"hour": 11, "minute": 56}
